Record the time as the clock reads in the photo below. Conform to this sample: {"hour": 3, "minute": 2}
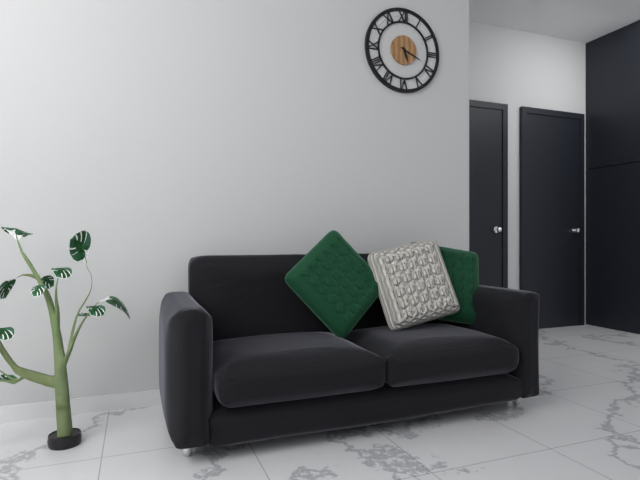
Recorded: {"hour": 5, "minute": 19}
